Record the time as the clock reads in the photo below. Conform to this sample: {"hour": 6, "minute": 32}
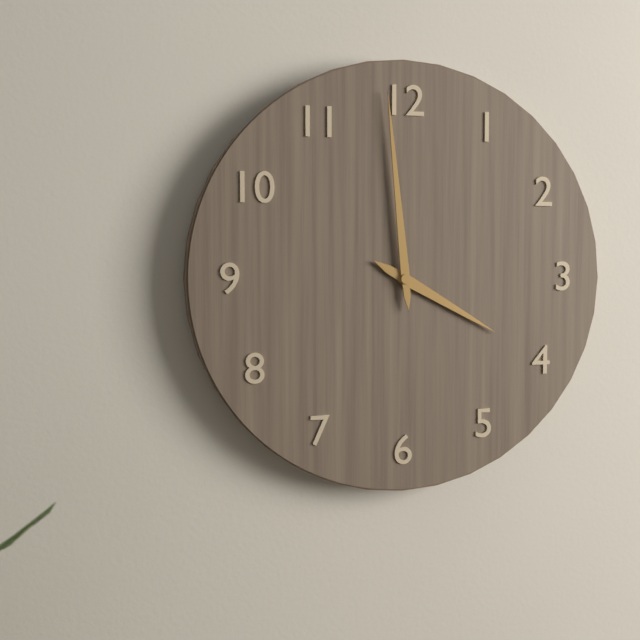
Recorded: {"hour": 3, "minute": 59}
